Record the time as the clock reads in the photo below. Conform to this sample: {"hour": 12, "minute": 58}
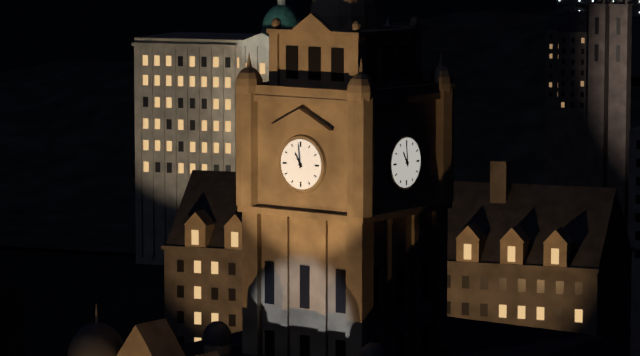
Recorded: {"hour": 10, "minute": 59}
